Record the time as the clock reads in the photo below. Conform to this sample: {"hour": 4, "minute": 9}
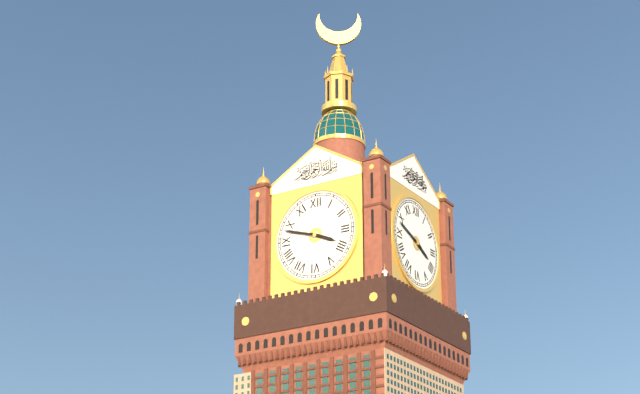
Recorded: {"hour": 3, "minute": 48}
